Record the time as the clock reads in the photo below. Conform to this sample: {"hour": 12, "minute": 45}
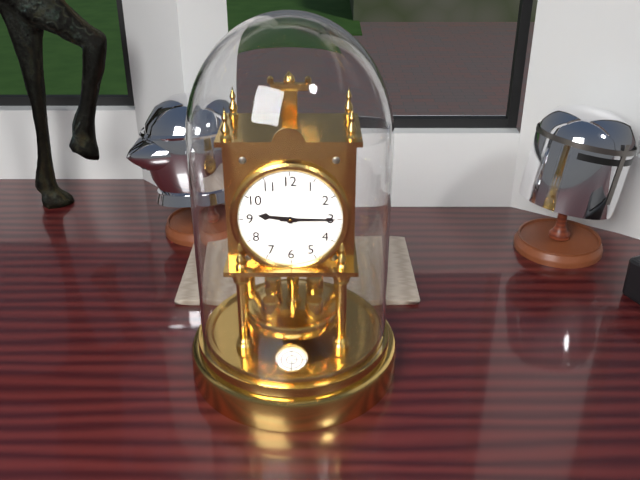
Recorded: {"hour": 9, "minute": 15}
